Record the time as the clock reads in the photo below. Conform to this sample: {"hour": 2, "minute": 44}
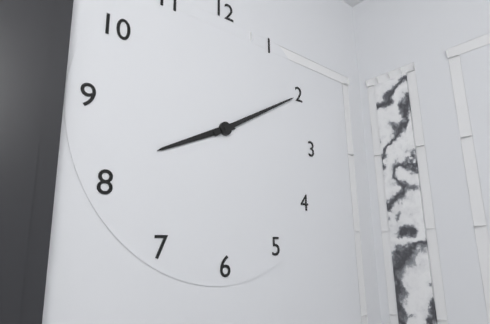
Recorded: {"hour": 8, "minute": 10}
